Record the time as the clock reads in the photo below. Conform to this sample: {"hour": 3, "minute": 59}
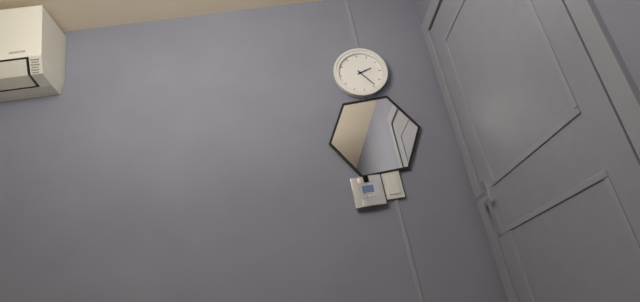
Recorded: {"hour": 2, "minute": 24}
